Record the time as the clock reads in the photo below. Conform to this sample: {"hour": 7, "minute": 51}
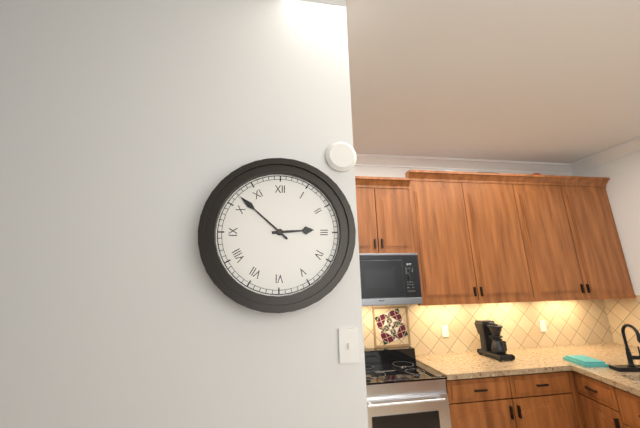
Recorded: {"hour": 2, "minute": 52}
